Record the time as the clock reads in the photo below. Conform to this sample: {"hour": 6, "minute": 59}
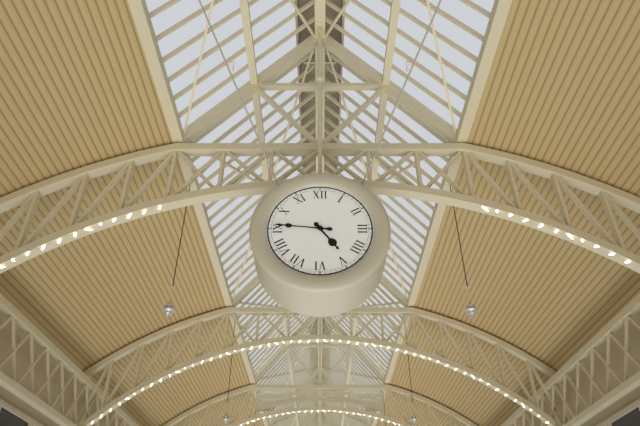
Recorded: {"hour": 4, "minute": 46}
